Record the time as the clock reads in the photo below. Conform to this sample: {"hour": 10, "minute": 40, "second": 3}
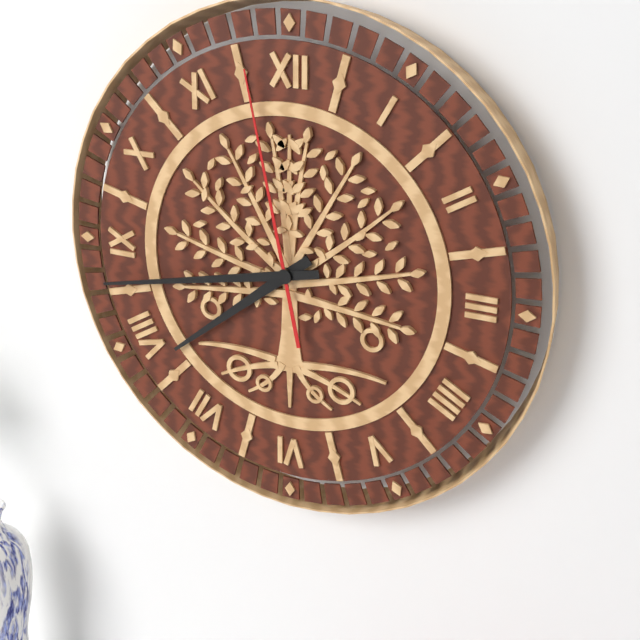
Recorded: {"hour": 7, "minute": 43, "second": 58}
